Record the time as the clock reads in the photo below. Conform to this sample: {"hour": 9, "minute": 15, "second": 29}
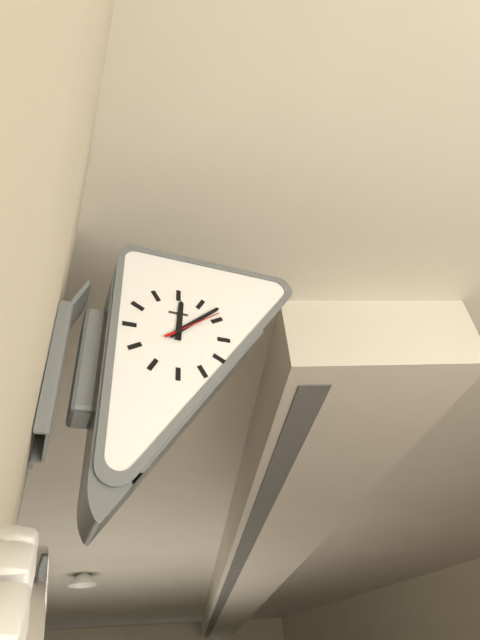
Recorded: {"hour": 12, "minute": 8, "second": 9}
